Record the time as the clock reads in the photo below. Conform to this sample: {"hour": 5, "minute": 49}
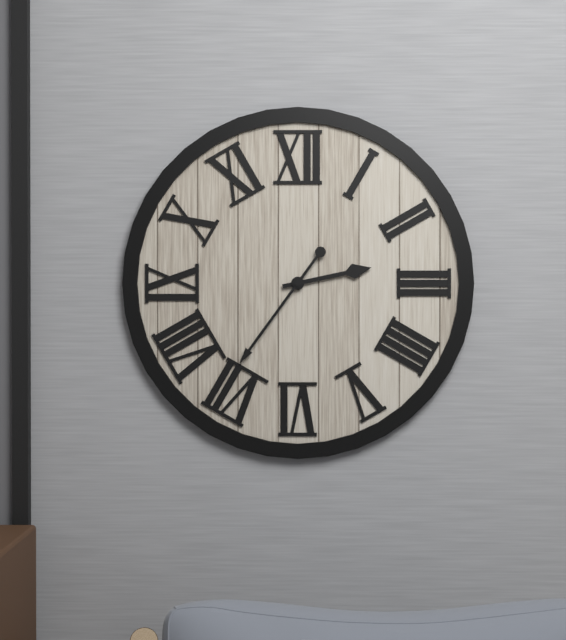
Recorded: {"hour": 2, "minute": 36}
